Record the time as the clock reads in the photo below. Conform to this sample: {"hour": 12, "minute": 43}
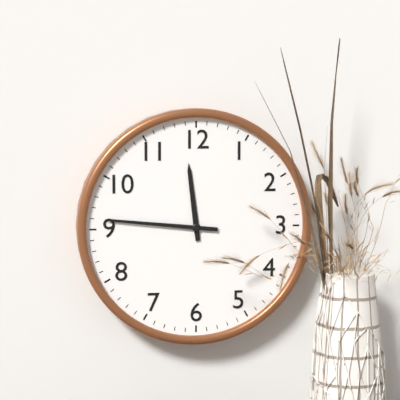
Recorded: {"hour": 11, "minute": 46}
